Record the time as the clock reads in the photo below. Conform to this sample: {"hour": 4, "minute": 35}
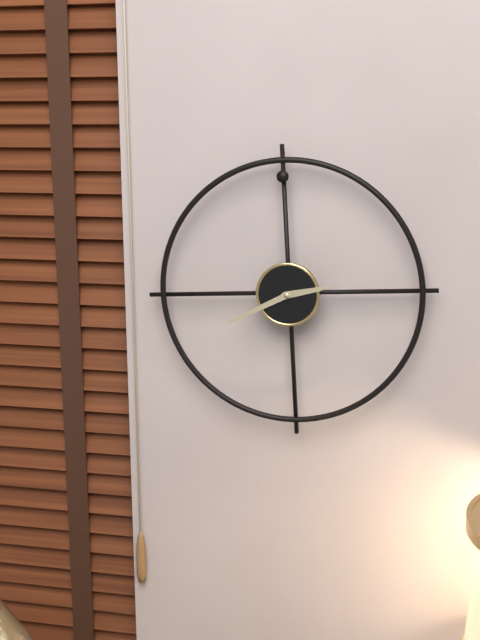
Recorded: {"hour": 2, "minute": 41}
